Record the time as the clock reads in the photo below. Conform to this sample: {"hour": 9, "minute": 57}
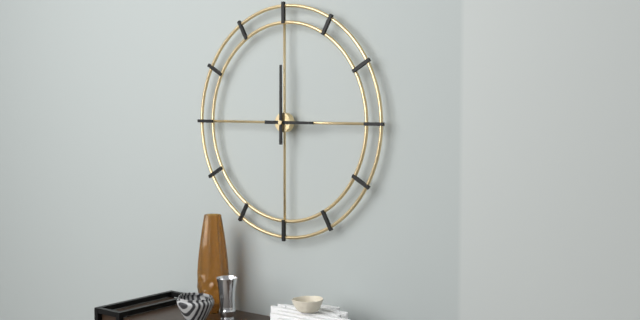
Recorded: {"hour": 3, "minute": 0}
